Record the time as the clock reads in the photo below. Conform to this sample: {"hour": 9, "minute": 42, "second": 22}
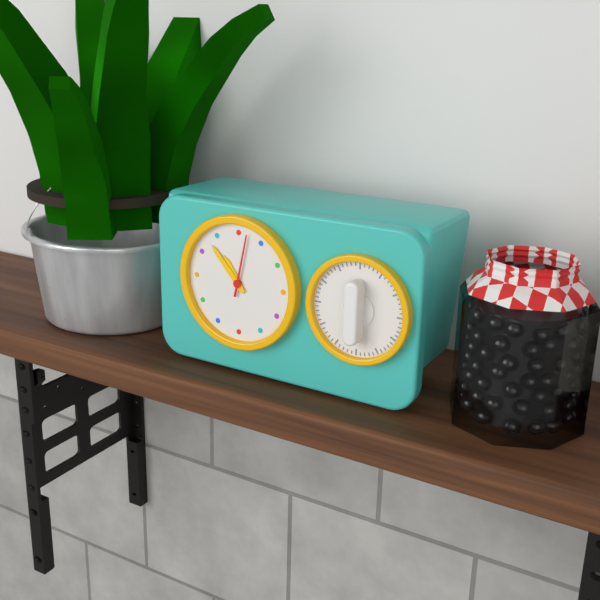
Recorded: {"hour": 10, "minute": 53, "second": 2}
